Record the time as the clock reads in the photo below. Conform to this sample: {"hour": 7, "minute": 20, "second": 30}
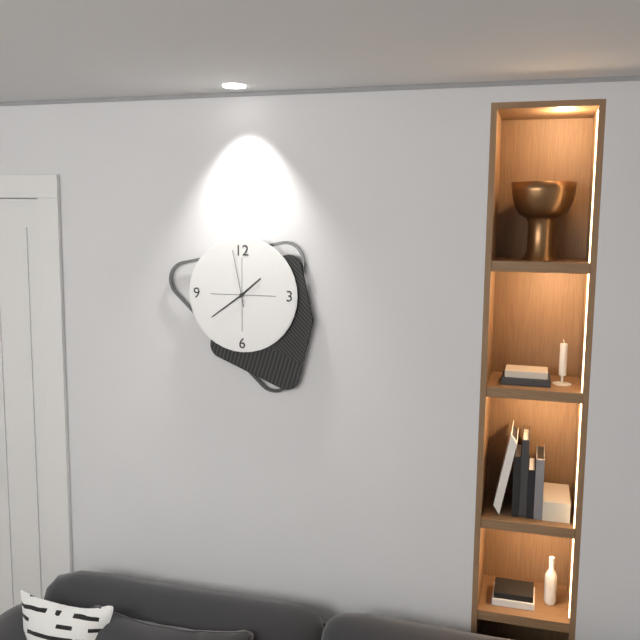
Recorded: {"hour": 1, "minute": 39, "second": 58}
